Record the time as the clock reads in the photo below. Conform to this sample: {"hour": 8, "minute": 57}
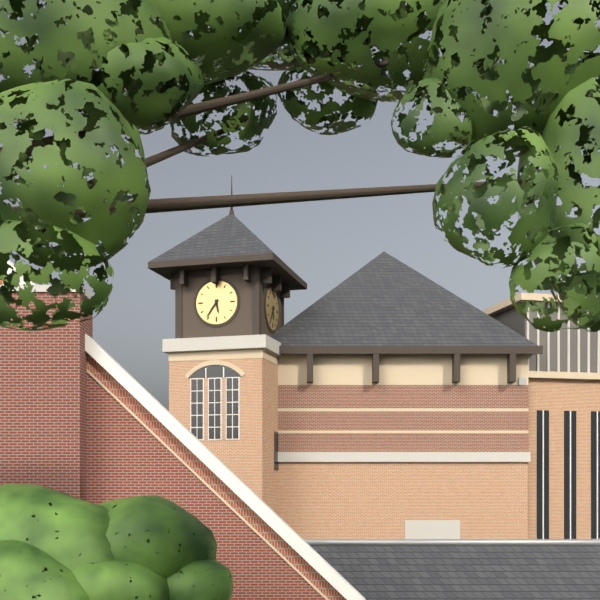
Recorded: {"hour": 5, "minute": 36}
